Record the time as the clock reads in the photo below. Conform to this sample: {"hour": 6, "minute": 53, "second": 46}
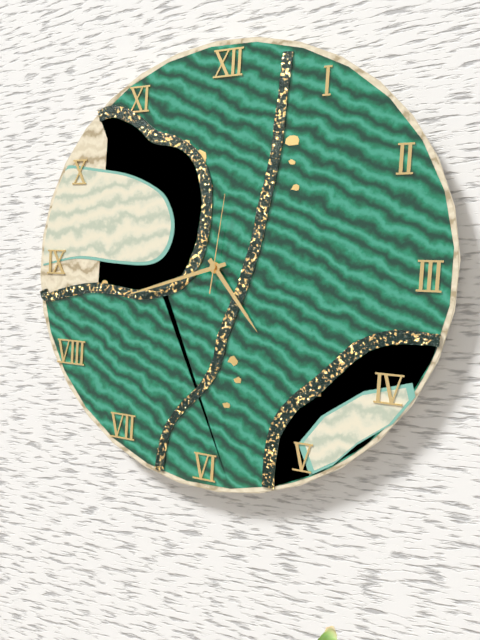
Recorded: {"hour": 4, "minute": 42, "second": 1}
